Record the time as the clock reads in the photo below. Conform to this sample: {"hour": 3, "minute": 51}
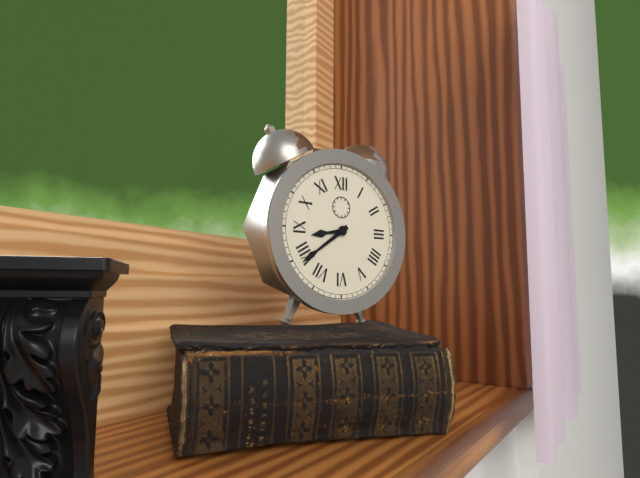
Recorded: {"hour": 8, "minute": 39}
